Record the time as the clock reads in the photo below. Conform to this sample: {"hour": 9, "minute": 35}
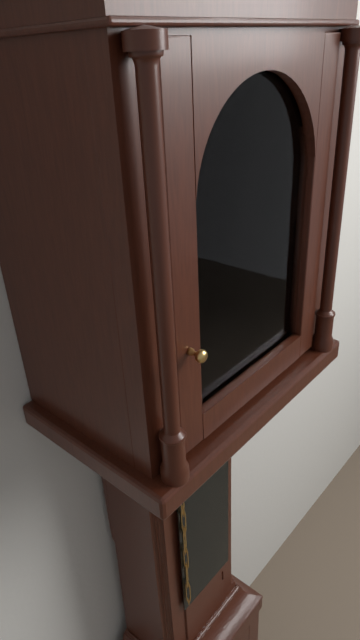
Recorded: {"hour": 9, "minute": 36}
